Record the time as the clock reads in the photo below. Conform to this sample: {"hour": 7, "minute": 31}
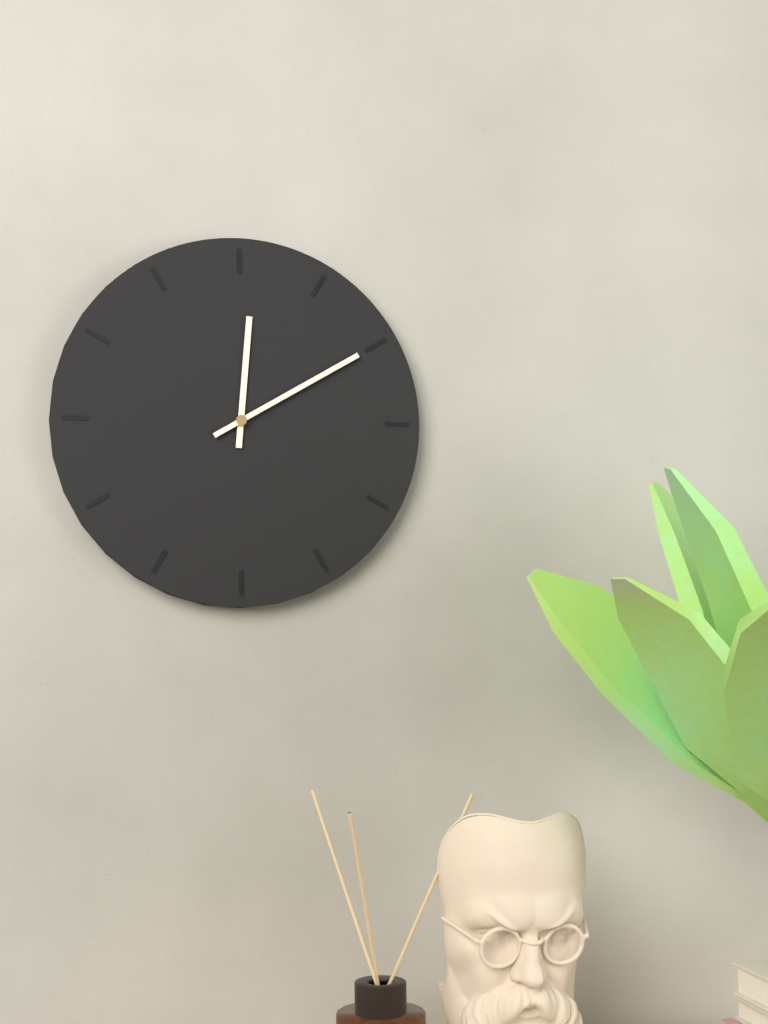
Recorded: {"hour": 12, "minute": 10}
